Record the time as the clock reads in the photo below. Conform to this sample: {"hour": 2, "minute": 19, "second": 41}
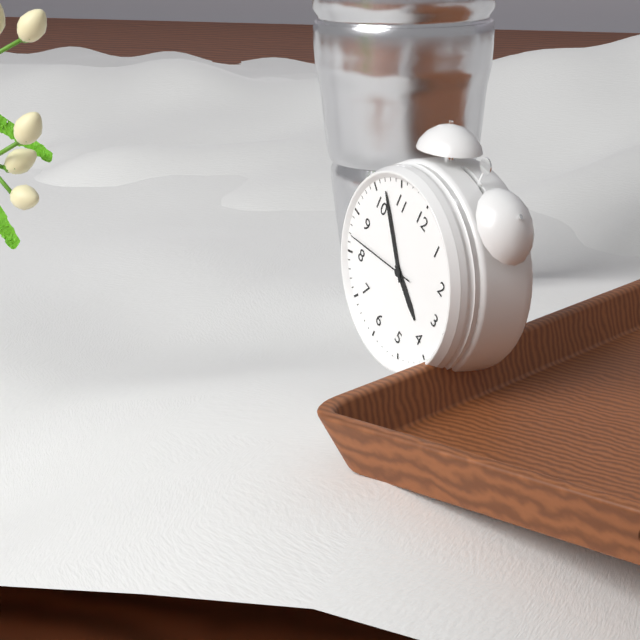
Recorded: {"hour": 3, "minute": 52, "second": 42}
